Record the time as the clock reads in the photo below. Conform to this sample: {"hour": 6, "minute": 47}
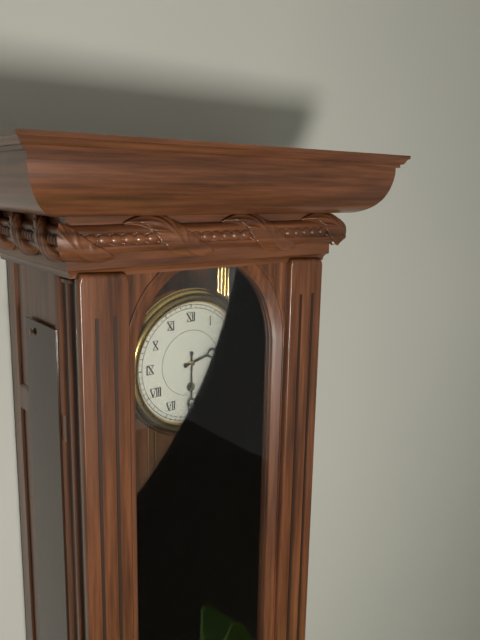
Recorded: {"hour": 2, "minute": 30}
